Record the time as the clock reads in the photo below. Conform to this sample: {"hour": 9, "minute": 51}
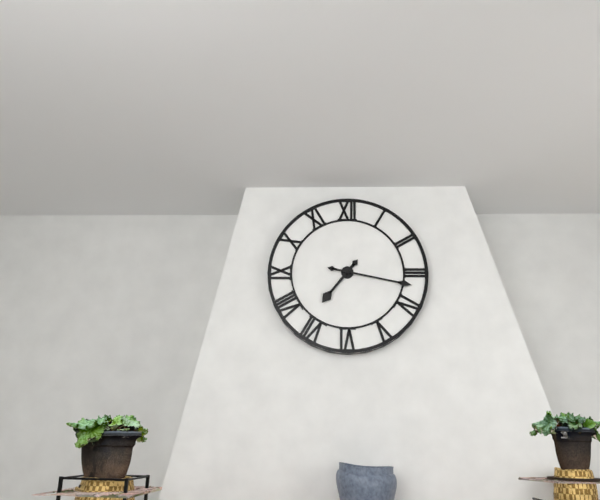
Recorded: {"hour": 7, "minute": 17}
